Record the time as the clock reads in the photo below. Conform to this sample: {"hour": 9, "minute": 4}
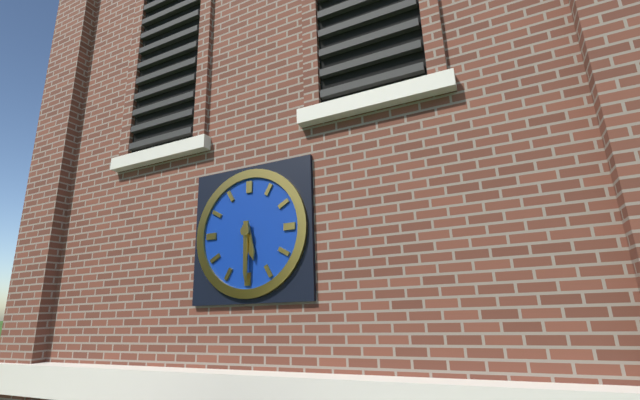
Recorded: {"hour": 5, "minute": 30}
